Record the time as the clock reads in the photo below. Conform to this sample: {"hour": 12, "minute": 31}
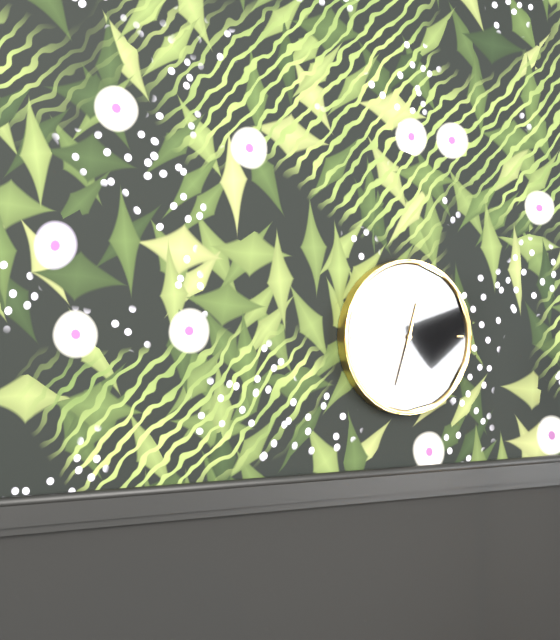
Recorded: {"hour": 12, "minute": 33}
